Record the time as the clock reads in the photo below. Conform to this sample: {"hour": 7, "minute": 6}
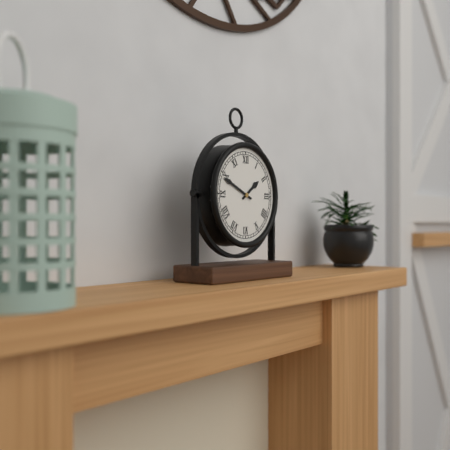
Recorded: {"hour": 1, "minute": 49}
